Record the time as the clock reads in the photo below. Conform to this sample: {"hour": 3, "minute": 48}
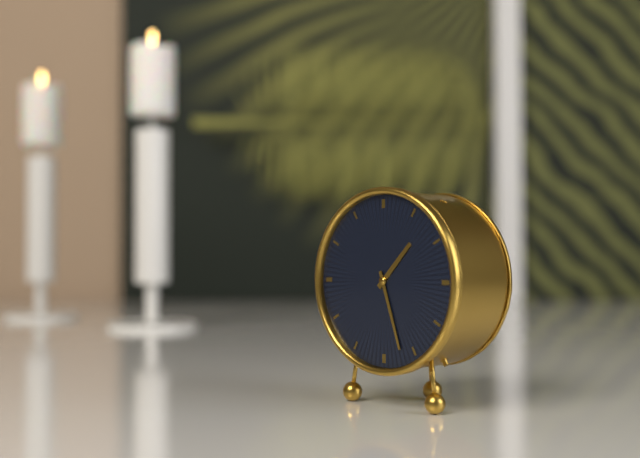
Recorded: {"hour": 1, "minute": 27}
